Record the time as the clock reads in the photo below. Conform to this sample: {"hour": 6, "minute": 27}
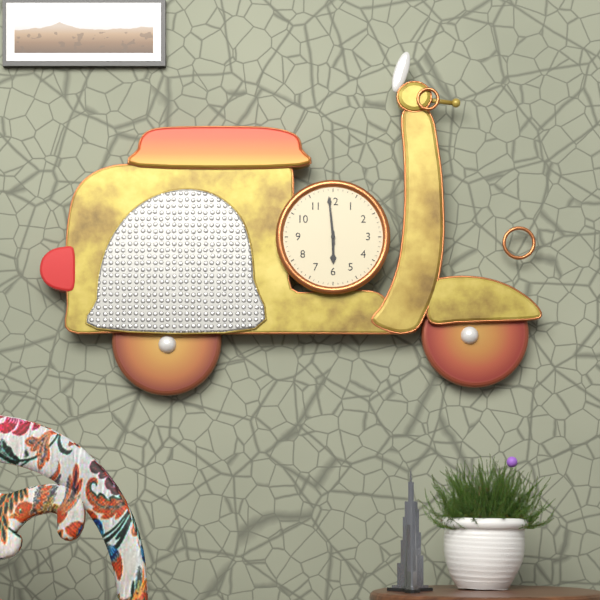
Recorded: {"hour": 5, "minute": 59}
